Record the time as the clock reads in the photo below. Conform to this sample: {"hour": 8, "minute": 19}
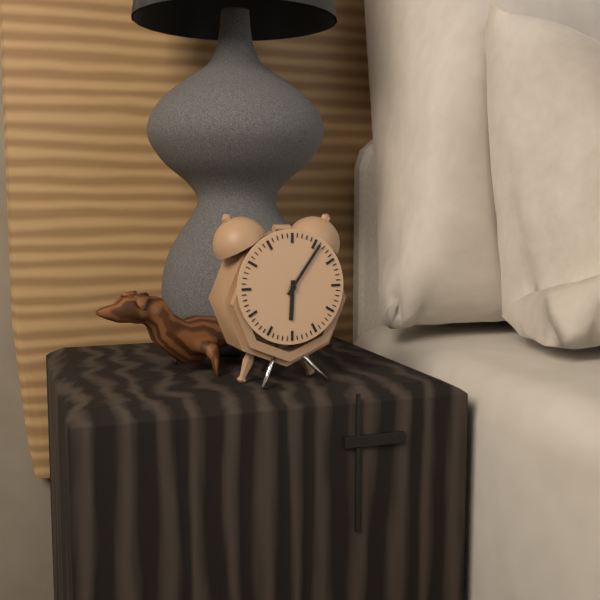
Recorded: {"hour": 6, "minute": 6}
